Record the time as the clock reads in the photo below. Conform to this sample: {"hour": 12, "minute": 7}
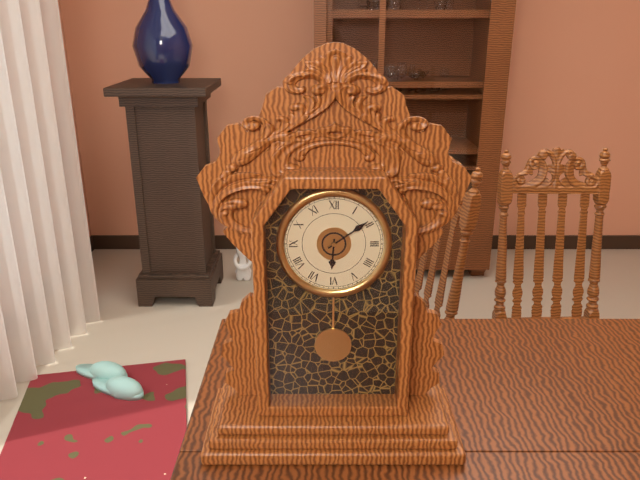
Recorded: {"hour": 6, "minute": 9}
